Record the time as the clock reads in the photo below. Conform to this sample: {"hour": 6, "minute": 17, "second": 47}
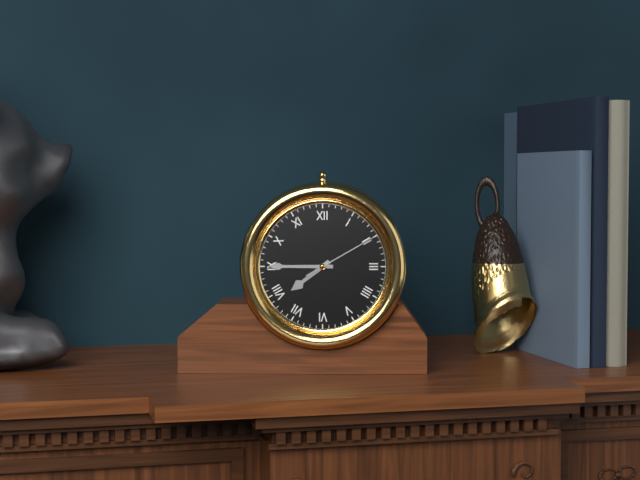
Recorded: {"hour": 7, "minute": 45, "second": 10}
